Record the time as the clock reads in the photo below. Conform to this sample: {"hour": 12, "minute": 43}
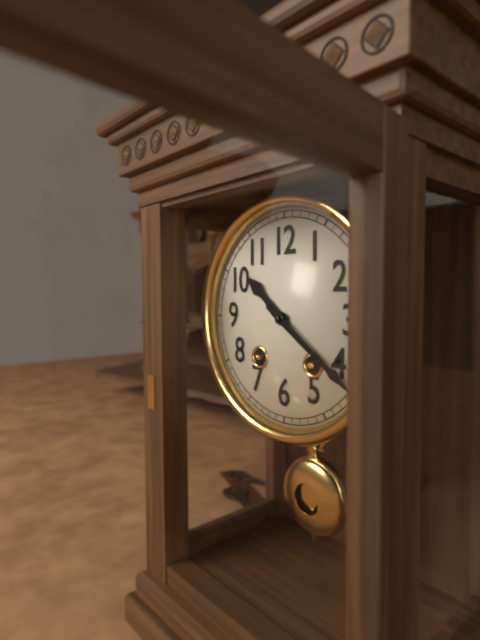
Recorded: {"hour": 10, "minute": 21}
